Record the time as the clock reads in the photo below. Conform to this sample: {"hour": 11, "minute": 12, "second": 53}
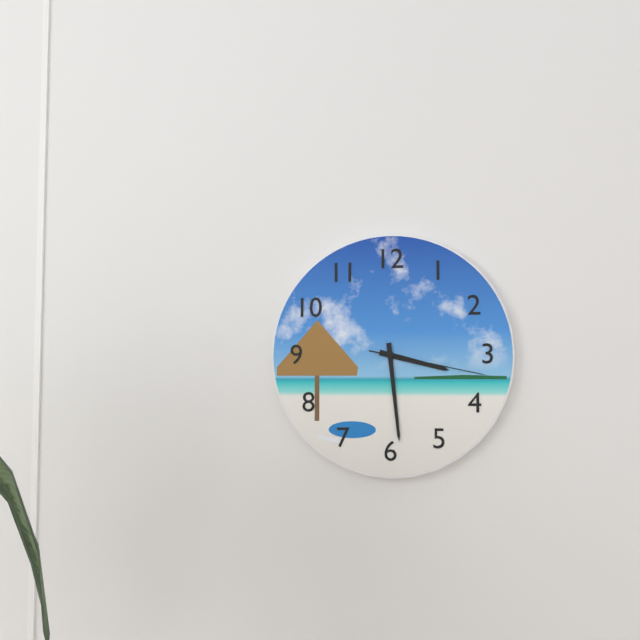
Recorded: {"hour": 3, "minute": 29, "second": 17}
